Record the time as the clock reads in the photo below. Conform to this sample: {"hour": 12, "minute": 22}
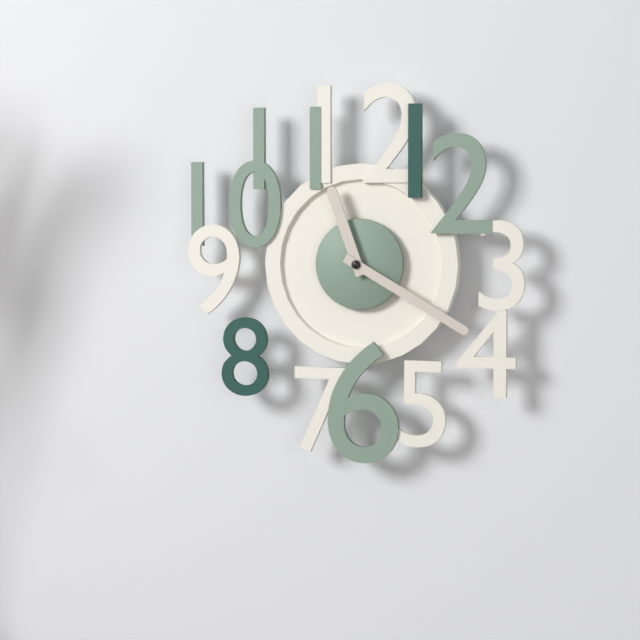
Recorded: {"hour": 11, "minute": 20}
